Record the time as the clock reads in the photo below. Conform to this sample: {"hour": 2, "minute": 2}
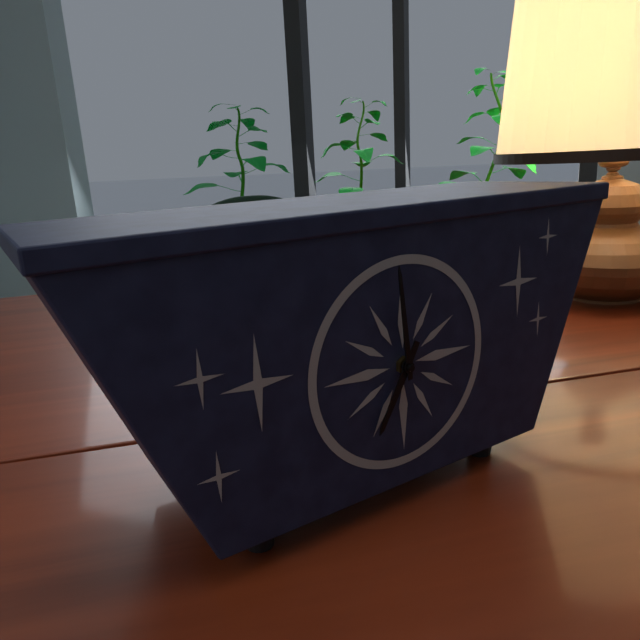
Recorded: {"hour": 6, "minute": 59}
